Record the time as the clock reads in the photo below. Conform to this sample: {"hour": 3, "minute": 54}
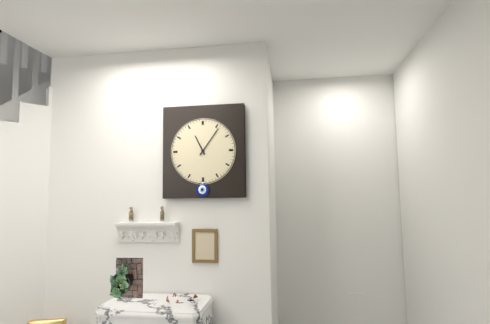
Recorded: {"hour": 11, "minute": 6}
